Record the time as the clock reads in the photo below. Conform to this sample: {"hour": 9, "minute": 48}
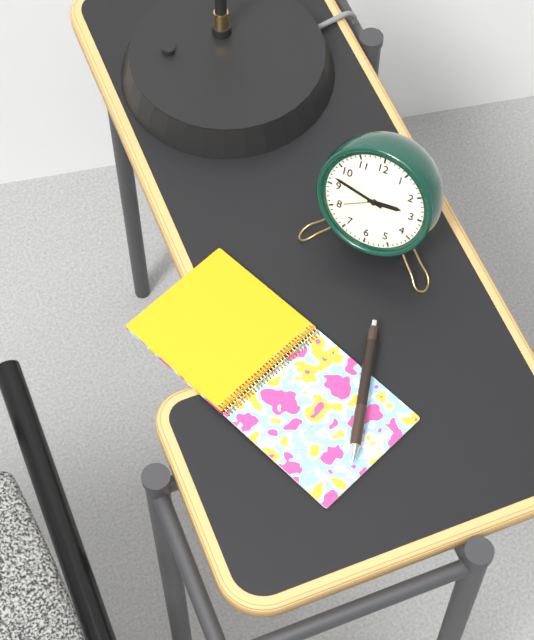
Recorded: {"hour": 2, "minute": 47}
